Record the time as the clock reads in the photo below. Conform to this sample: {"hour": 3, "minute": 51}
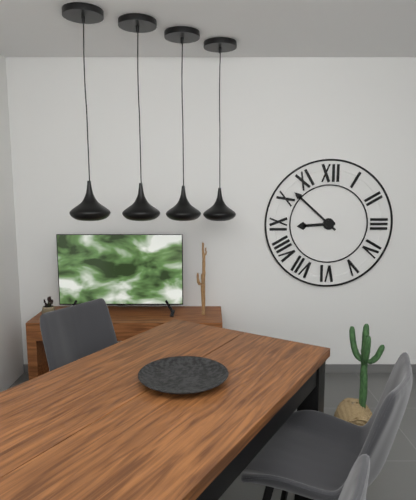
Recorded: {"hour": 8, "minute": 52}
